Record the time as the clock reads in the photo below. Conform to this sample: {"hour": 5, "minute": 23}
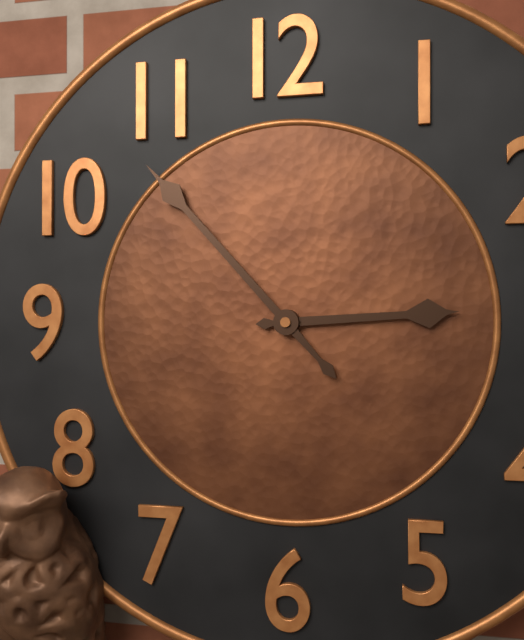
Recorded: {"hour": 2, "minute": 53}
